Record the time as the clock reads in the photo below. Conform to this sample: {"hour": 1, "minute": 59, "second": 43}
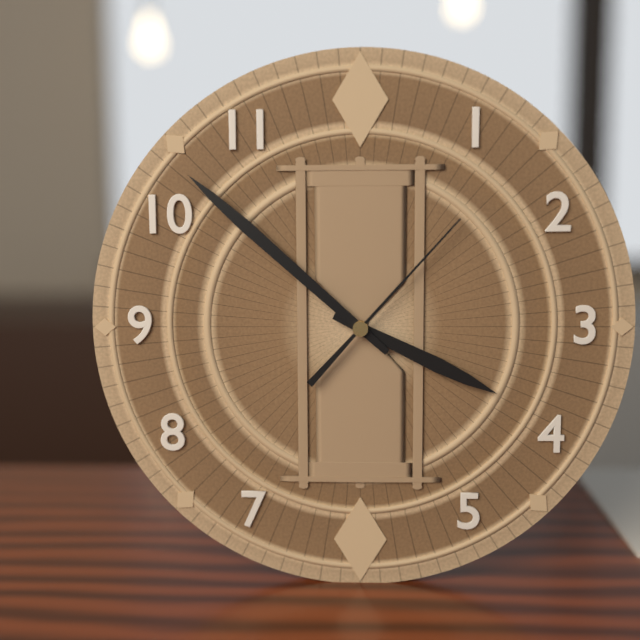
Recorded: {"hour": 3, "minute": 52, "second": 7}
